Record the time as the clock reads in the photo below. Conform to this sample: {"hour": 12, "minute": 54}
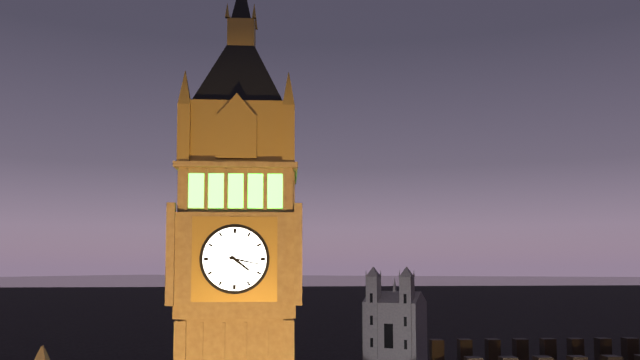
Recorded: {"hour": 4, "minute": 17}
